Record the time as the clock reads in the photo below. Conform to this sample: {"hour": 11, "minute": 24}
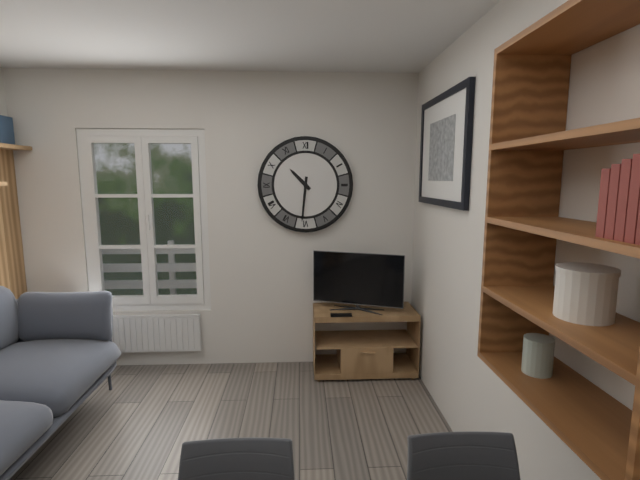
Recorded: {"hour": 10, "minute": 31}
